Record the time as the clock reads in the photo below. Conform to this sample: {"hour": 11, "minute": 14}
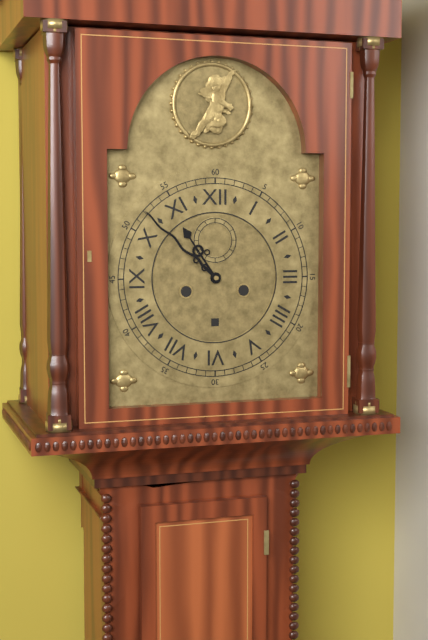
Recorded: {"hour": 10, "minute": 52}
